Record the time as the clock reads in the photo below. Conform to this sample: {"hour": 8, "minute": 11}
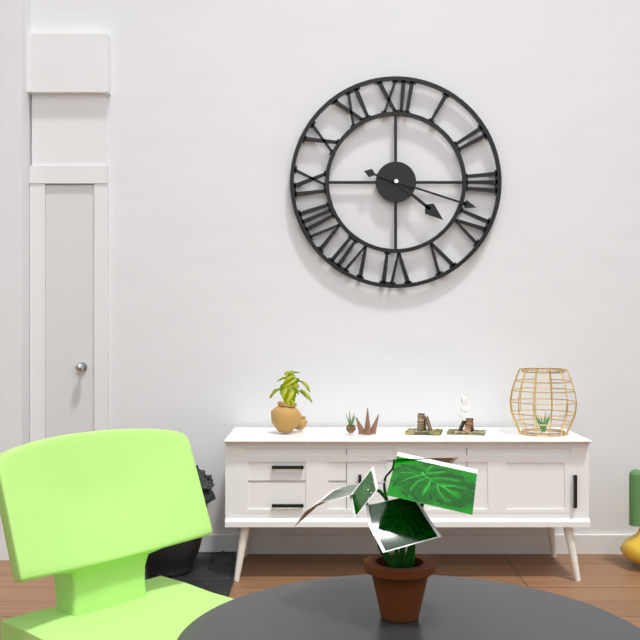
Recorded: {"hour": 4, "minute": 18}
